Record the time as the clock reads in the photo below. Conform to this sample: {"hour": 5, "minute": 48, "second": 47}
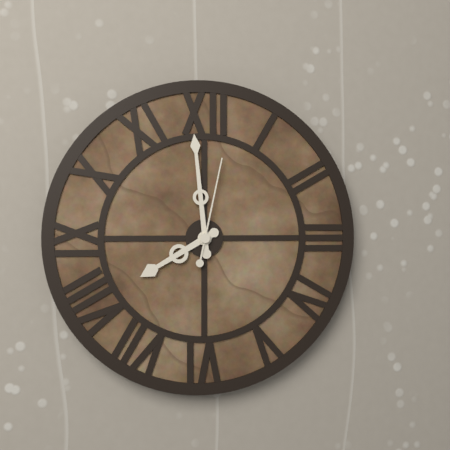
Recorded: {"hour": 7, "minute": 59, "second": 2}
